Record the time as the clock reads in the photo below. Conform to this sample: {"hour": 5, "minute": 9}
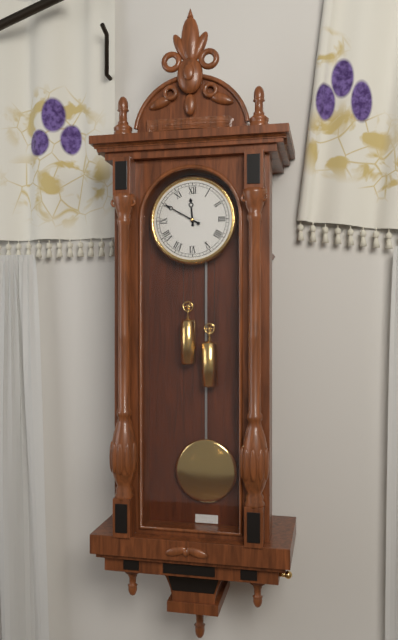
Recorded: {"hour": 11, "minute": 50}
